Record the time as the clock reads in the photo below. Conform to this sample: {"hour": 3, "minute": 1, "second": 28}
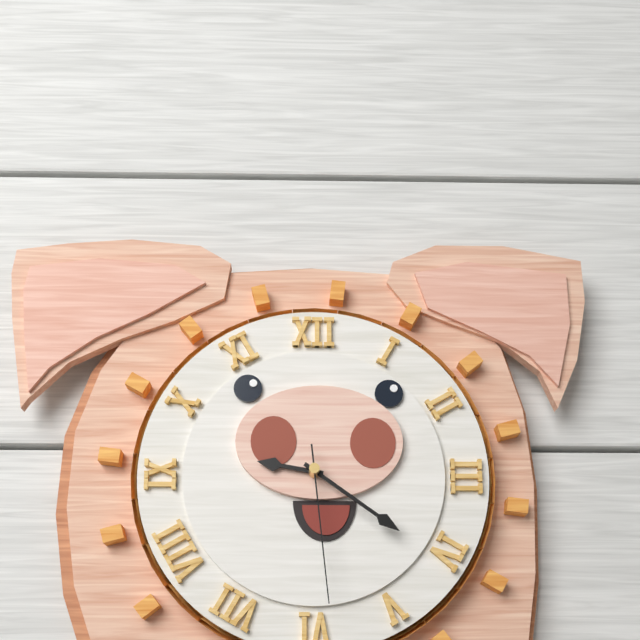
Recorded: {"hour": 9, "minute": 21, "second": 29}
